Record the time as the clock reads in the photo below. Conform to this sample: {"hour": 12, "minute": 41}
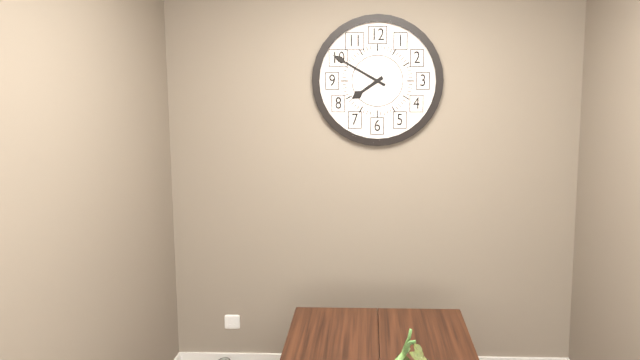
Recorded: {"hour": 7, "minute": 50}
